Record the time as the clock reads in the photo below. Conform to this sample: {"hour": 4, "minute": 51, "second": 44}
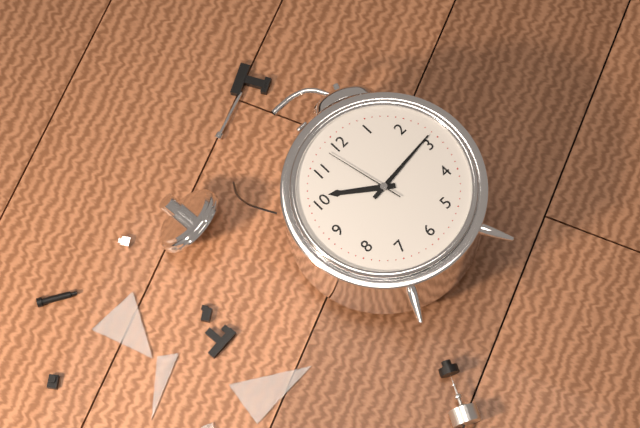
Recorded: {"hour": 10, "minute": 14, "second": 58}
